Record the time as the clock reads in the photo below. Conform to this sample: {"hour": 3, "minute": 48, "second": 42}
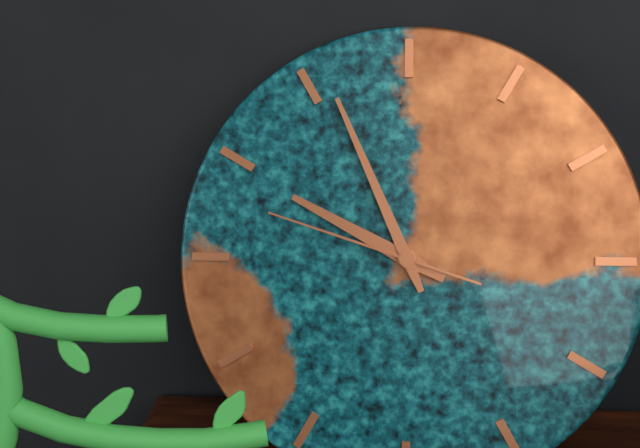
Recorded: {"hour": 9, "minute": 56, "second": 48}
